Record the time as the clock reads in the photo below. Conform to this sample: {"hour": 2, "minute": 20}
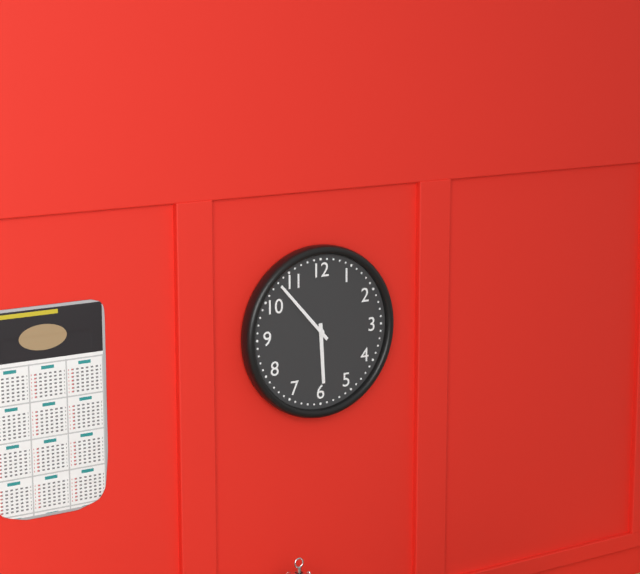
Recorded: {"hour": 5, "minute": 53}
